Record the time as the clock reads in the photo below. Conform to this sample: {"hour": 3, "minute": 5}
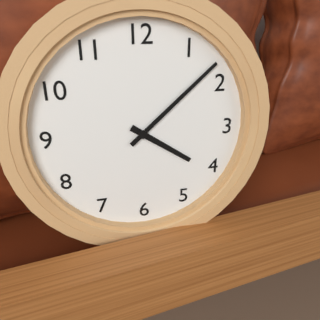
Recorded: {"hour": 4, "minute": 8}
